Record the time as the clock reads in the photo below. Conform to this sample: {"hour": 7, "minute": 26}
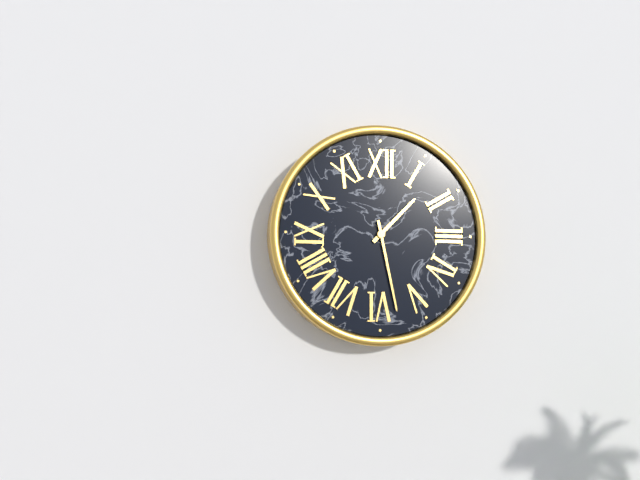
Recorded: {"hour": 1, "minute": 28}
